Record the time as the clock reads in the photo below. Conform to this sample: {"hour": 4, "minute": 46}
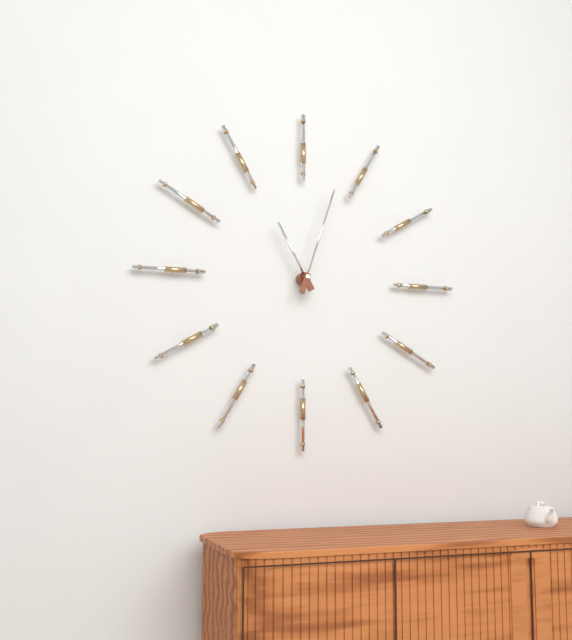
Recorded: {"hour": 11, "minute": 3}
